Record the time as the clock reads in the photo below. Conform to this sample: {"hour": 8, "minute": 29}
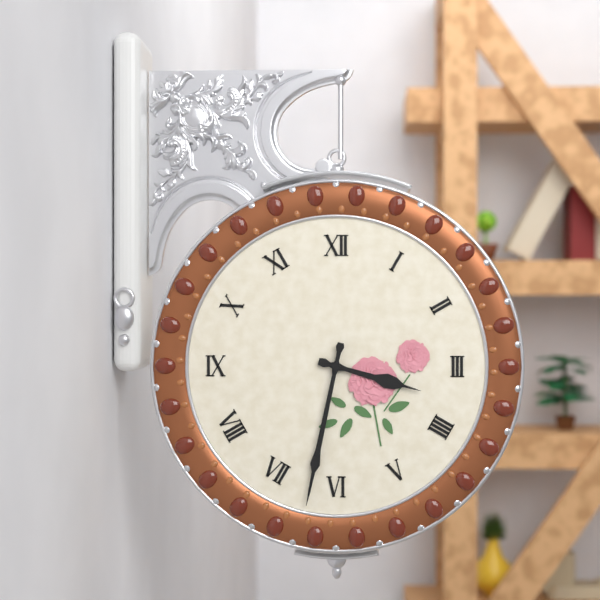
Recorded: {"hour": 3, "minute": 32}
